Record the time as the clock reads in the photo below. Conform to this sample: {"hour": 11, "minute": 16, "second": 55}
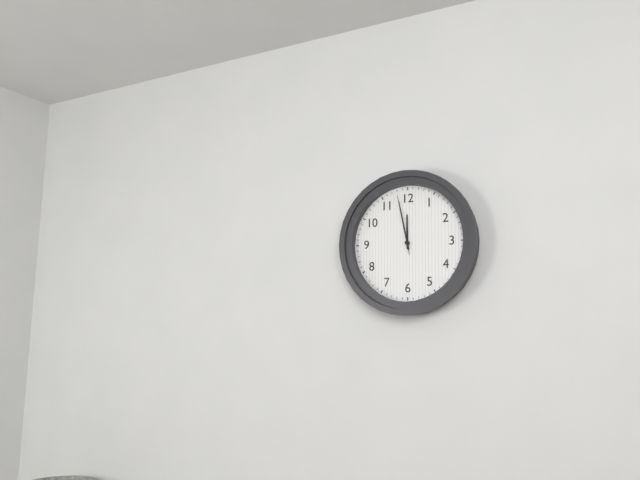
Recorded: {"hour": 11, "minute": 58, "second": 58}
